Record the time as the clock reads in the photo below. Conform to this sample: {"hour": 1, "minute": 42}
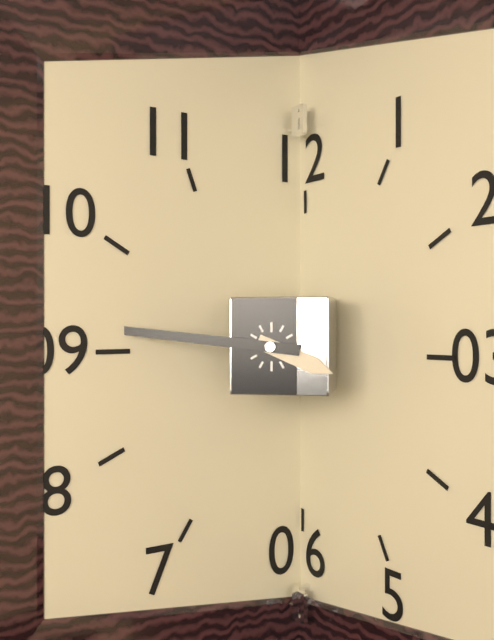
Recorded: {"hour": 3, "minute": 46}
